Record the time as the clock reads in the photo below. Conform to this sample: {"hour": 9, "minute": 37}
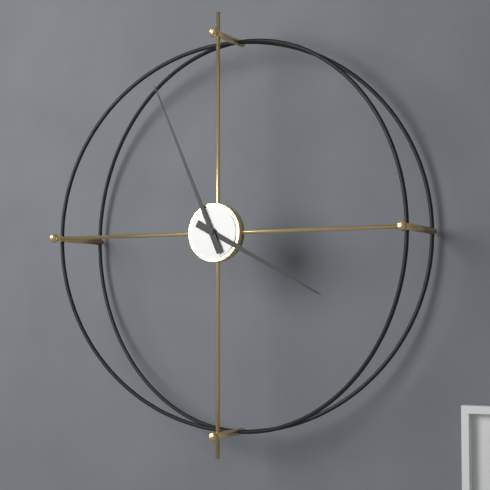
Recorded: {"hour": 3, "minute": 56}
